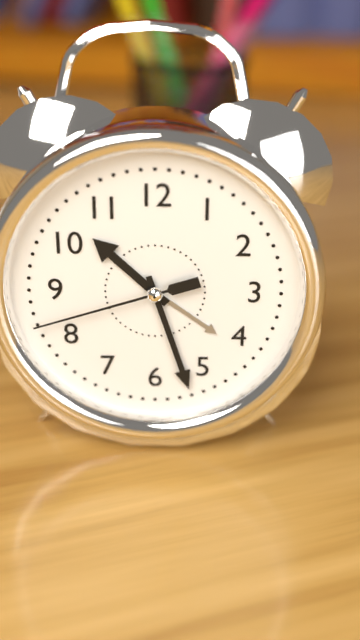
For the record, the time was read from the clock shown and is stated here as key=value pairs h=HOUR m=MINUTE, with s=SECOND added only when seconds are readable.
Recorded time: h=10 m=27 s=42
